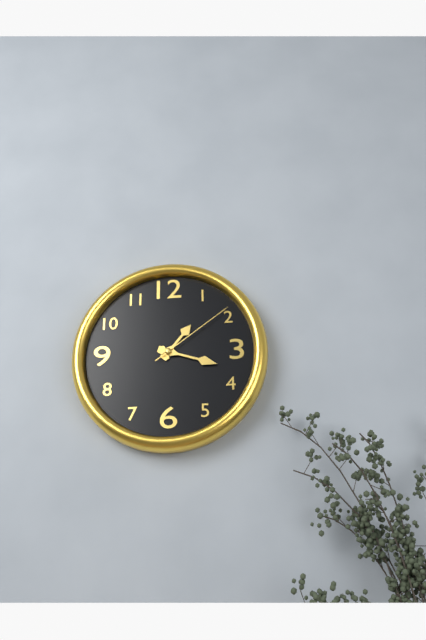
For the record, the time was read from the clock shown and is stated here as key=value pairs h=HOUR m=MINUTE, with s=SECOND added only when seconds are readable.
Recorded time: h=1 m=18 s=9
